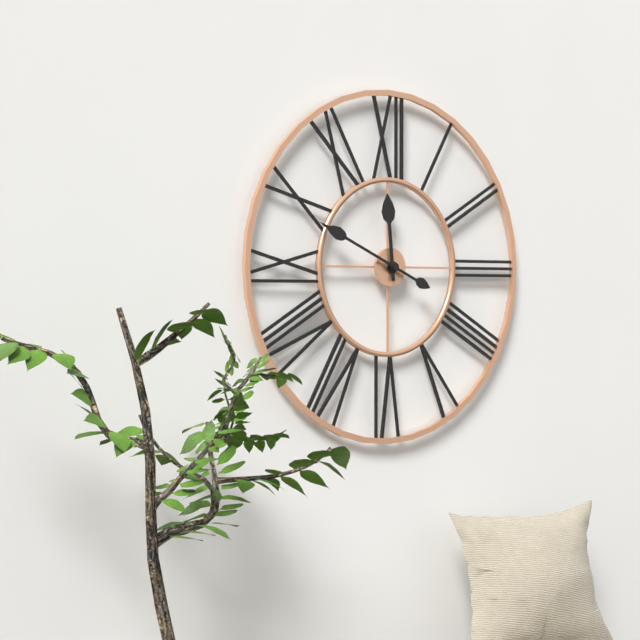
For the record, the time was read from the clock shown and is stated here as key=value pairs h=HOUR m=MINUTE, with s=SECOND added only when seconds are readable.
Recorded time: h=11 m=49
